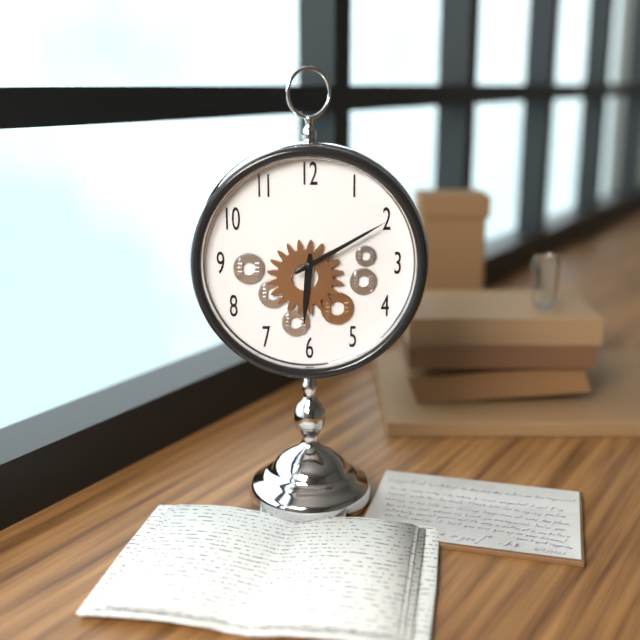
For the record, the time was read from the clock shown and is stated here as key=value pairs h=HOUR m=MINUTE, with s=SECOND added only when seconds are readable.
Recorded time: h=6 m=10
